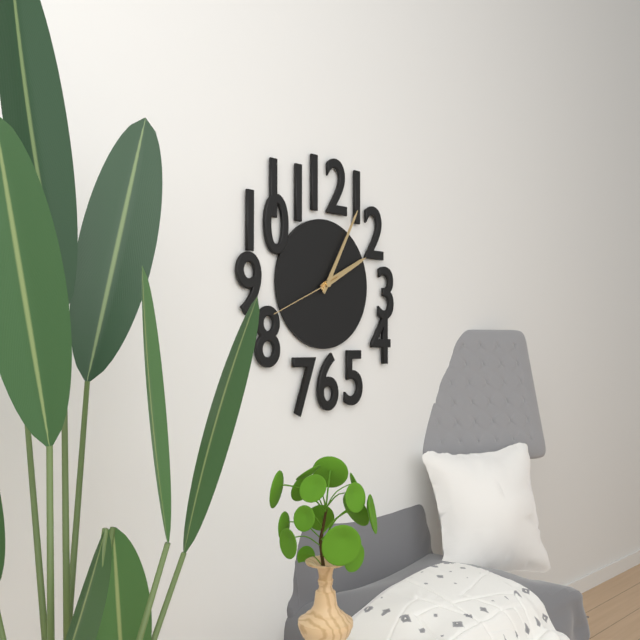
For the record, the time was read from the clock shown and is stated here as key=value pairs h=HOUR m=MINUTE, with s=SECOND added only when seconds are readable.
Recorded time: h=2 m=5 s=41
